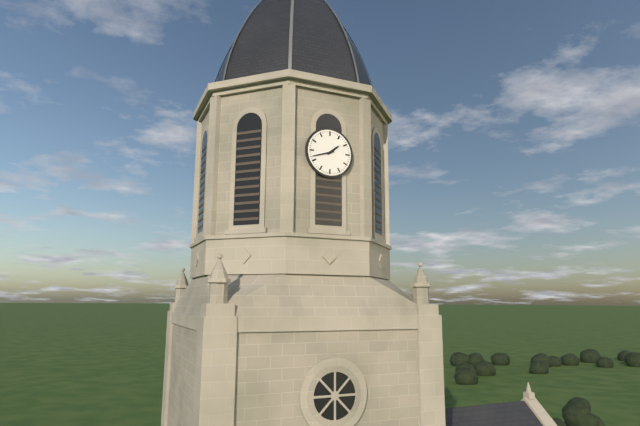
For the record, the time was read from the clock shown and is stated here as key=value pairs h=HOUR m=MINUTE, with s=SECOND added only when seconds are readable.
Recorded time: h=1 m=42
